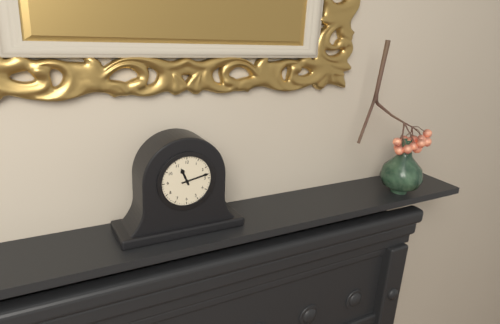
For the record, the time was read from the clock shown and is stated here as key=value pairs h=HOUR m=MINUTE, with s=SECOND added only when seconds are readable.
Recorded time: h=11 m=13
